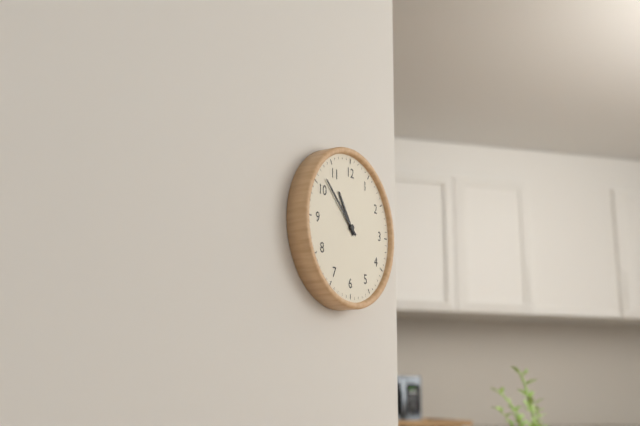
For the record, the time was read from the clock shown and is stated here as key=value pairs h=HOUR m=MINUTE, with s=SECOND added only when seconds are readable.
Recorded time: h=10 m=52
